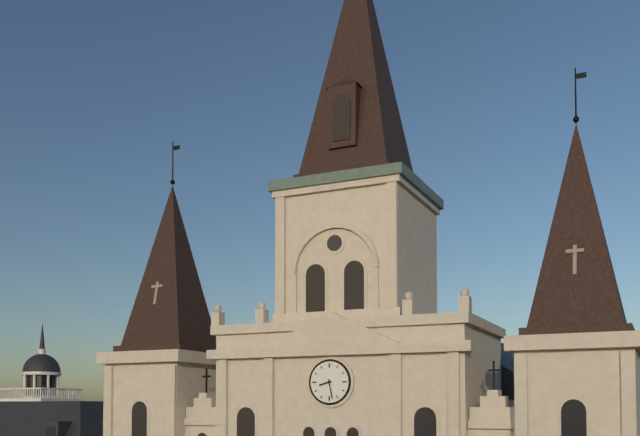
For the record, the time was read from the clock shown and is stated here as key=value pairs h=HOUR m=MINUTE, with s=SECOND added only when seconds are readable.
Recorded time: h=8 m=28
